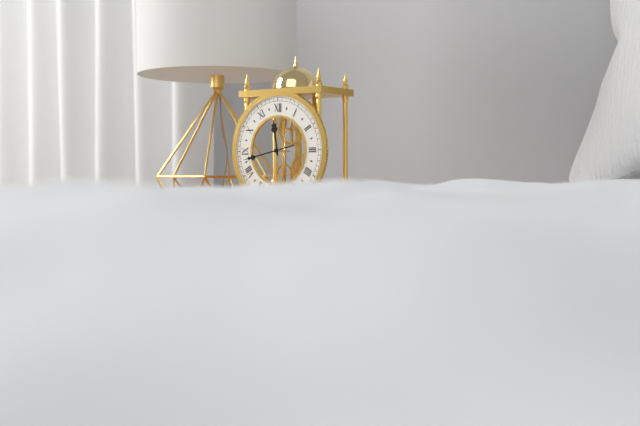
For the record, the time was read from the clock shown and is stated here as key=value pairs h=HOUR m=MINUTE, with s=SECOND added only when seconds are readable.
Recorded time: h=11 m=43
